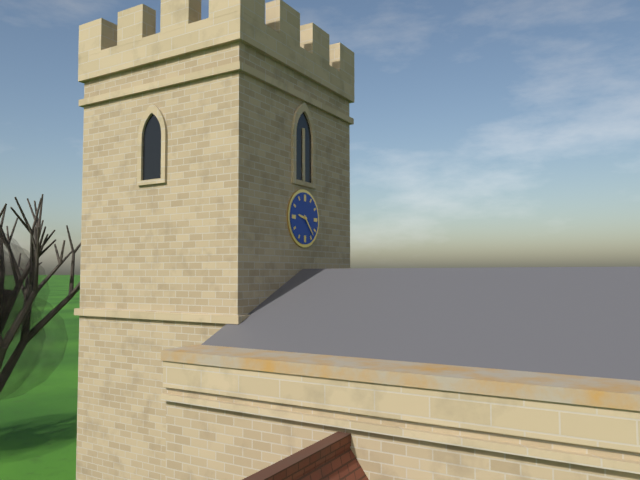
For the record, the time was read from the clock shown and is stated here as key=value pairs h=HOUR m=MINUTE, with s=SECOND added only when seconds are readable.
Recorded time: h=9 m=23
